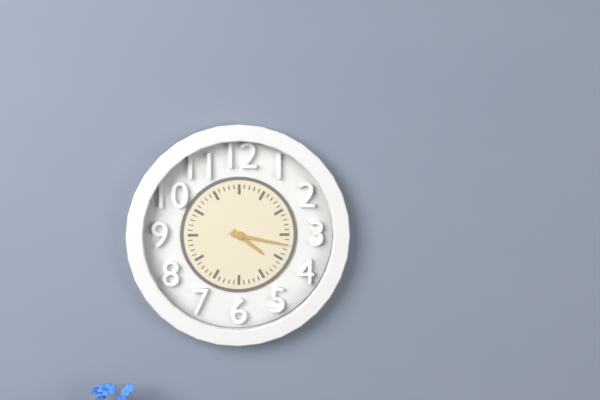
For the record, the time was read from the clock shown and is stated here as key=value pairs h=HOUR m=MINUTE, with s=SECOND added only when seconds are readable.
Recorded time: h=4 m=17
